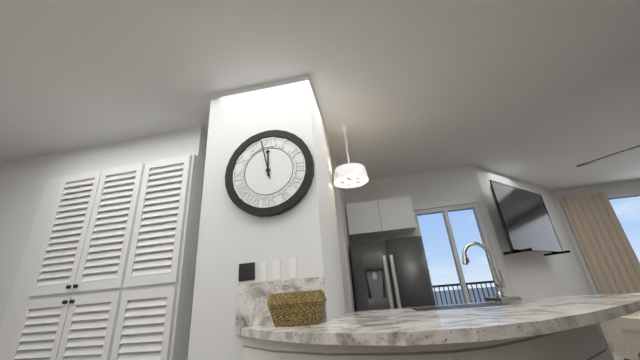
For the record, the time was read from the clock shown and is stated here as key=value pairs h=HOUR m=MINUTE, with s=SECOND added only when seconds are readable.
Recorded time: h=11 m=58
